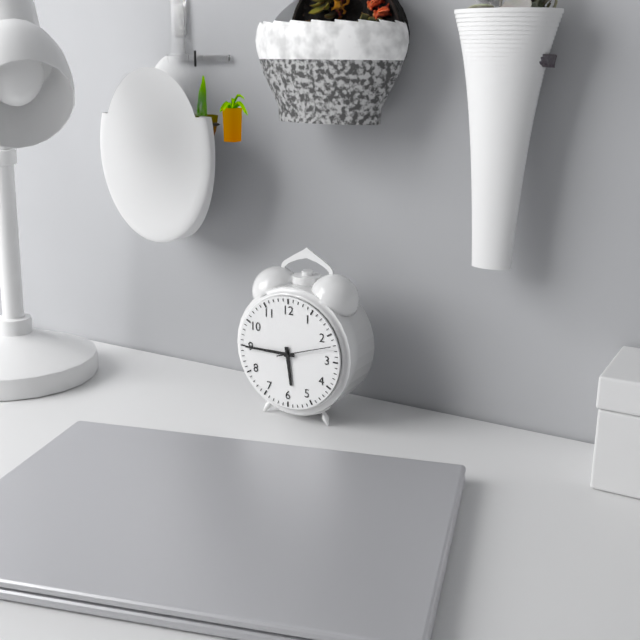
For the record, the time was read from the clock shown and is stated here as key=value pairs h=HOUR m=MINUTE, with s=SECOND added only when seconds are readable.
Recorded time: h=5 m=45 s=12
